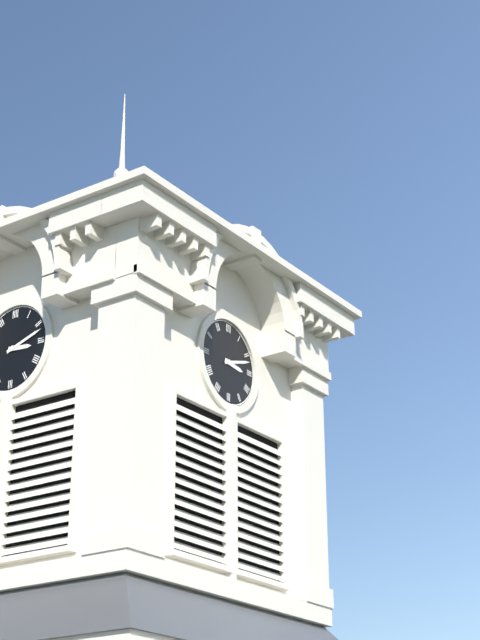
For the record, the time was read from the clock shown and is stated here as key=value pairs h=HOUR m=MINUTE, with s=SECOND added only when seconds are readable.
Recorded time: h=3 m=12
